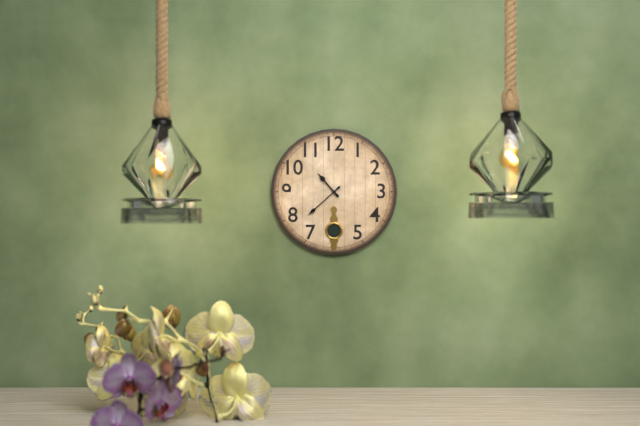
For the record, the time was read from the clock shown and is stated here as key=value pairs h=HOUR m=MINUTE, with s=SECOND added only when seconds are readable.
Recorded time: h=10 m=38
